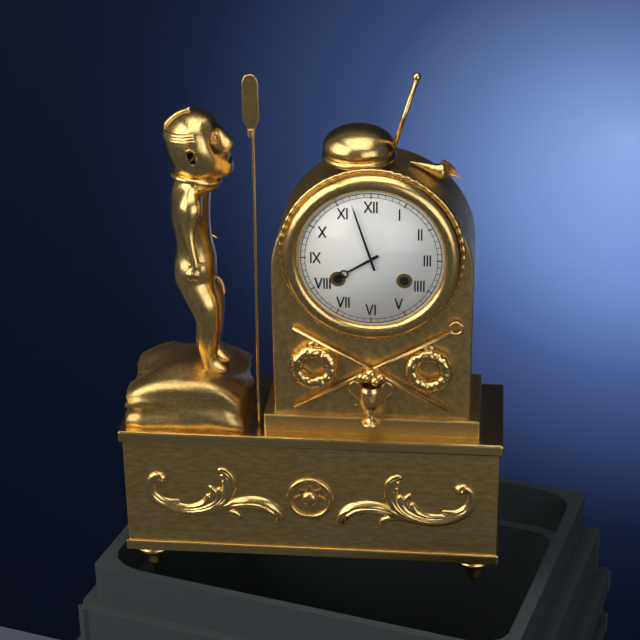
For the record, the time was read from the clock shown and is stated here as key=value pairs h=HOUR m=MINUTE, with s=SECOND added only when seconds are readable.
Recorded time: h=7 m=57
